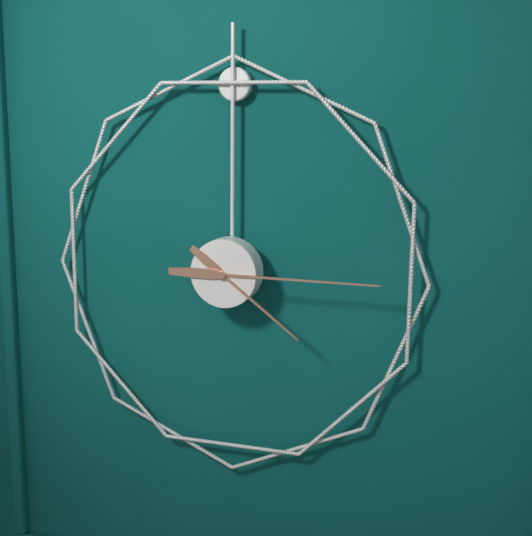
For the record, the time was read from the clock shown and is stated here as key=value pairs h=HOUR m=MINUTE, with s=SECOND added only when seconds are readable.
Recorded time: h=4 m=15
